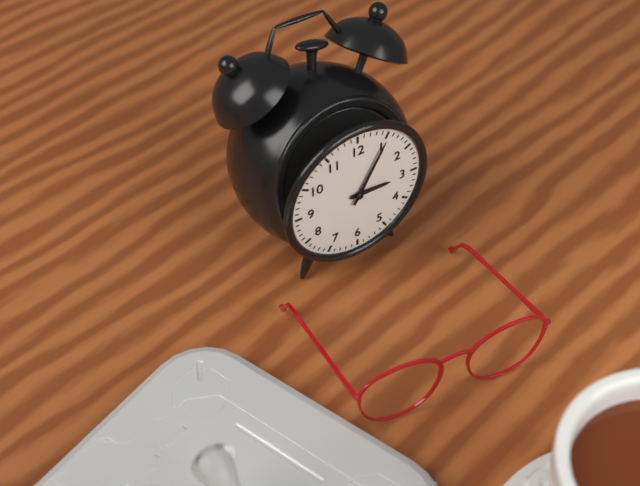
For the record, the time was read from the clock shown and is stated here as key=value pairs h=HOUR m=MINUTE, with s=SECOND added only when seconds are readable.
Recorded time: h=3 m=5
